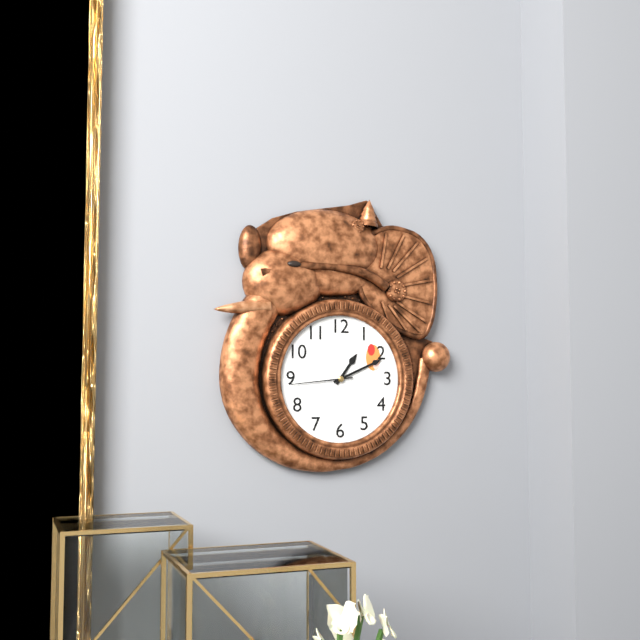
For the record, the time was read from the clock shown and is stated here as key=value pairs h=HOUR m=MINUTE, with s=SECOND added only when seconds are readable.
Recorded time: h=1 m=11 s=44
